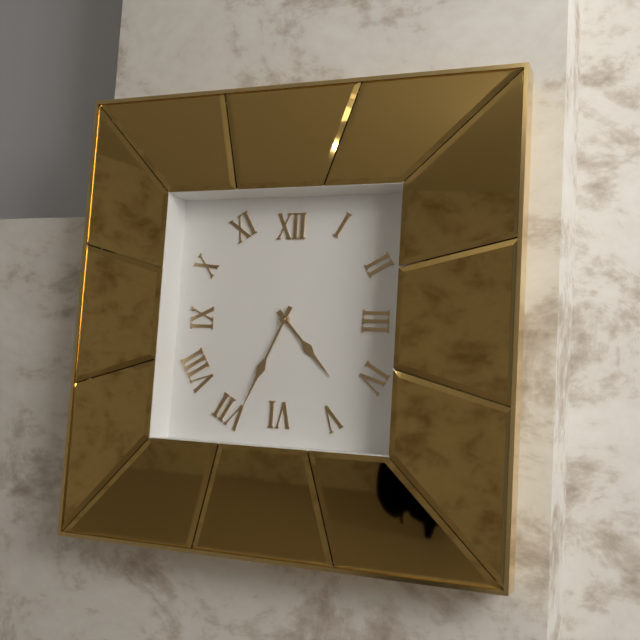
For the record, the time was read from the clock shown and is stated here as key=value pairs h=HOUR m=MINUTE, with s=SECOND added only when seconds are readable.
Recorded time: h=4 m=34
